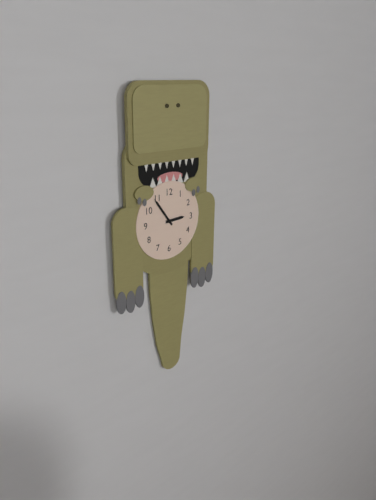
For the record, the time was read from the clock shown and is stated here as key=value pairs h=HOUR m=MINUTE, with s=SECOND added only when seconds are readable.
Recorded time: h=2 m=54
